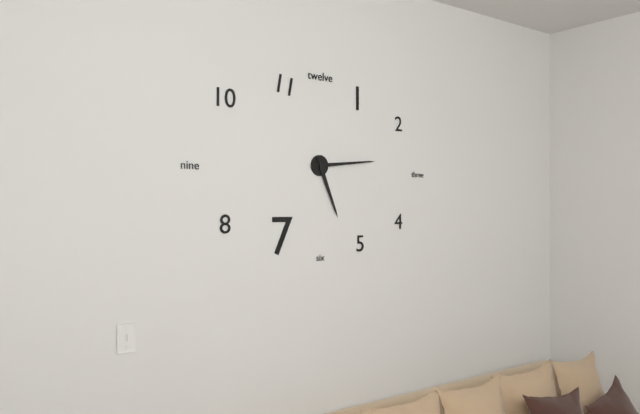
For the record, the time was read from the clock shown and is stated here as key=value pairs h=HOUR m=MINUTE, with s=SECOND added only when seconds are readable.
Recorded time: h=5 m=14
